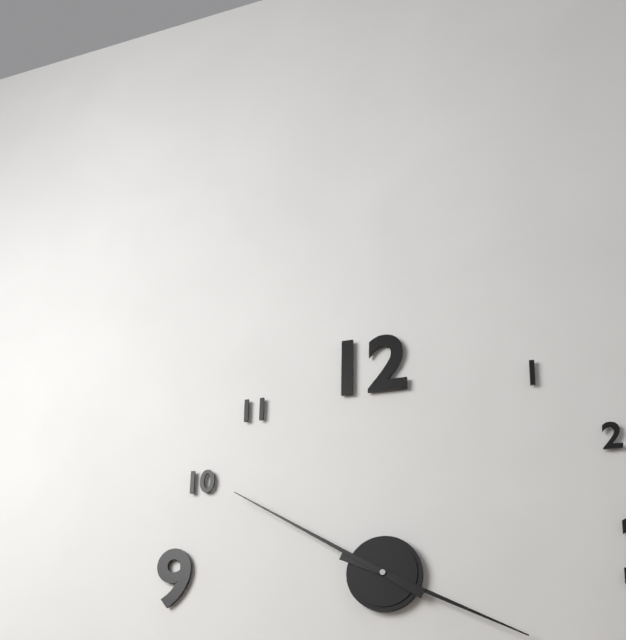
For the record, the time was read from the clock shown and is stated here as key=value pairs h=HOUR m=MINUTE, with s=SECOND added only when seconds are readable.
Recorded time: h=3 m=50
